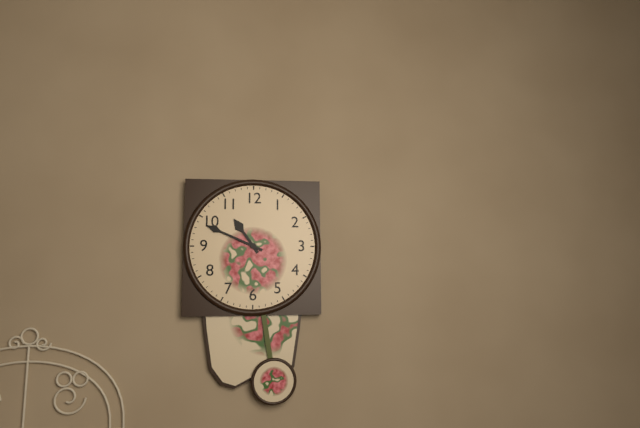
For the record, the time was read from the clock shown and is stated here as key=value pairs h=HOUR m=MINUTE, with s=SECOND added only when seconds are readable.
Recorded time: h=10 m=49
